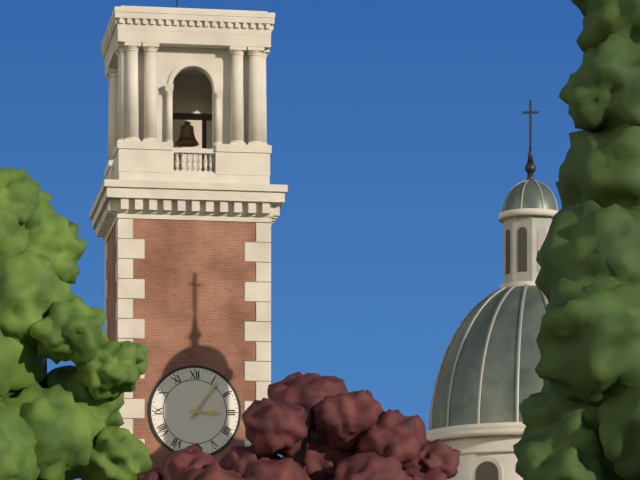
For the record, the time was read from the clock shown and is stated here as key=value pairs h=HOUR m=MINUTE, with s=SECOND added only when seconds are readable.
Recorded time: h=3 m=6
